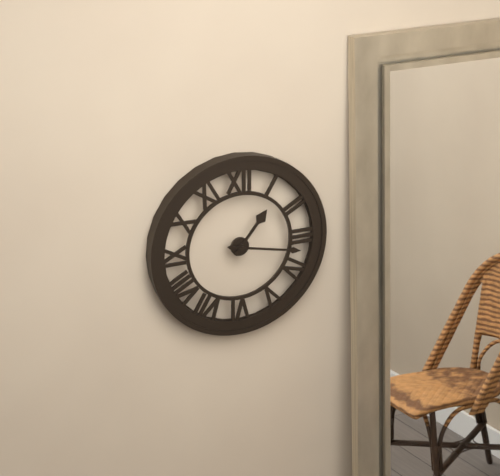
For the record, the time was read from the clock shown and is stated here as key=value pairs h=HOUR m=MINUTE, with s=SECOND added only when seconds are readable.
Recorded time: h=1 m=17
